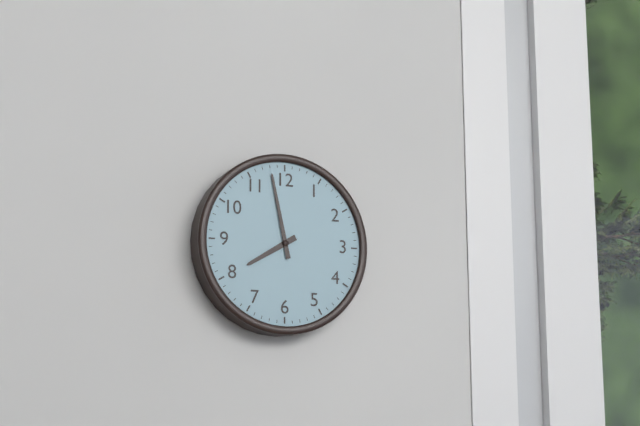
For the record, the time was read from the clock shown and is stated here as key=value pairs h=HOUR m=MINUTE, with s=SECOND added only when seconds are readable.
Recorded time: h=7 m=58
